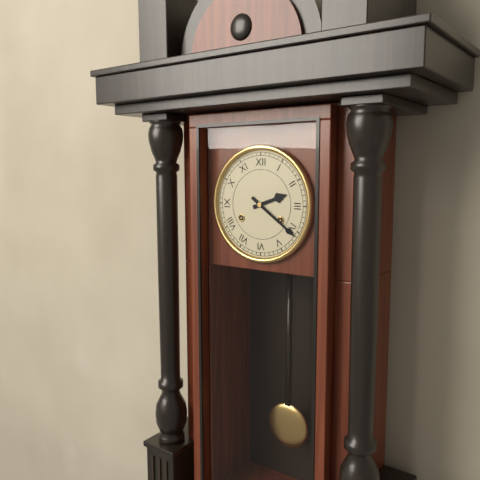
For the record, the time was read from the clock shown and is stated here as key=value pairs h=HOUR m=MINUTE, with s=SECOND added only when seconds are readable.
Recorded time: h=2 m=21
